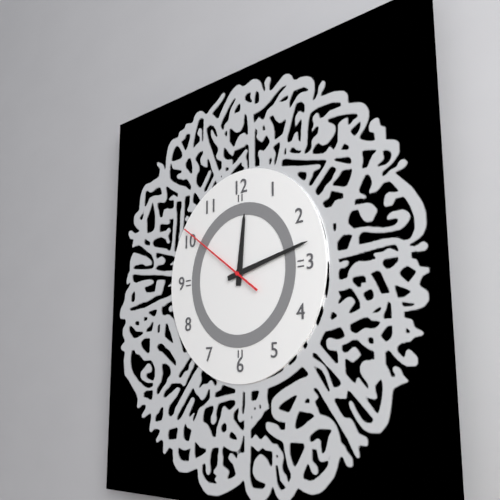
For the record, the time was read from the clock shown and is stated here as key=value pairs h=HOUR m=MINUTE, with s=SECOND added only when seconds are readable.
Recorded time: h=12 m=13 s=51
